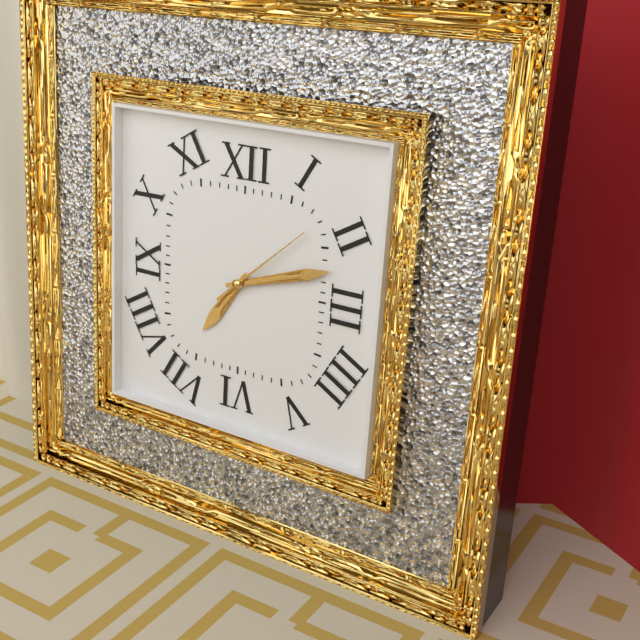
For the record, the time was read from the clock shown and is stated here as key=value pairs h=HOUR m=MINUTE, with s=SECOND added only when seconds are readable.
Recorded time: h=7 m=12 s=8
